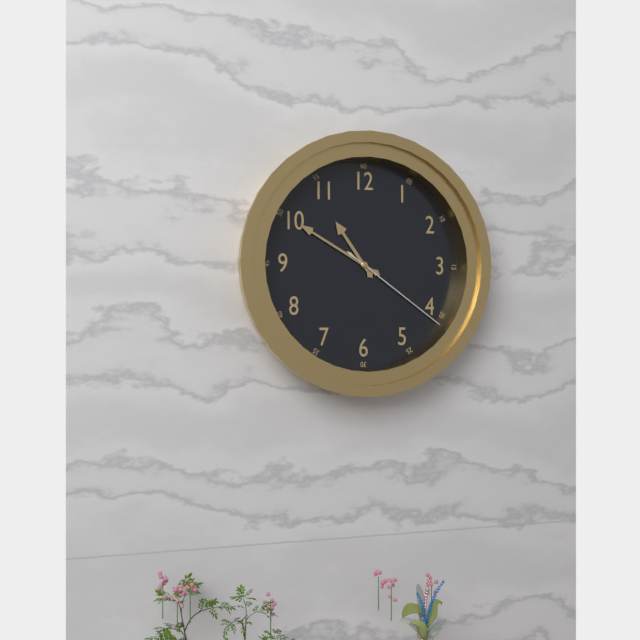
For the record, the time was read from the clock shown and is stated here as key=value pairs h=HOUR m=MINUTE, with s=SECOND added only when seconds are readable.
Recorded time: h=10 m=50 s=21
